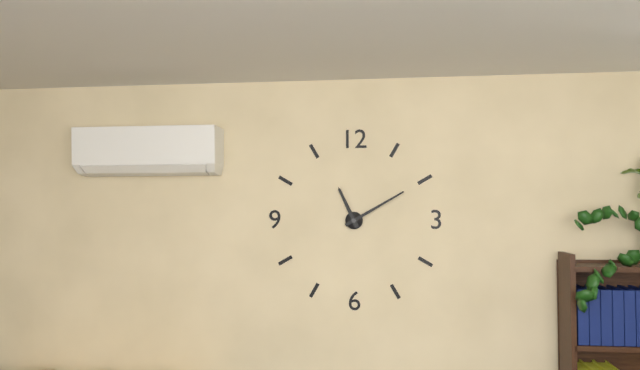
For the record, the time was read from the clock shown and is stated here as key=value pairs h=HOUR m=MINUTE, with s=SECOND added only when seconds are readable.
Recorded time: h=11 m=10
